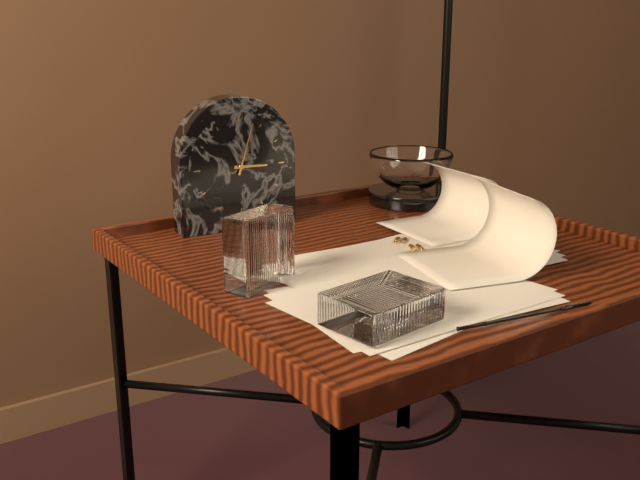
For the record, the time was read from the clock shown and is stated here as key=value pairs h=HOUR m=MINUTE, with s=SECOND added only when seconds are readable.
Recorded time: h=3 m=3
